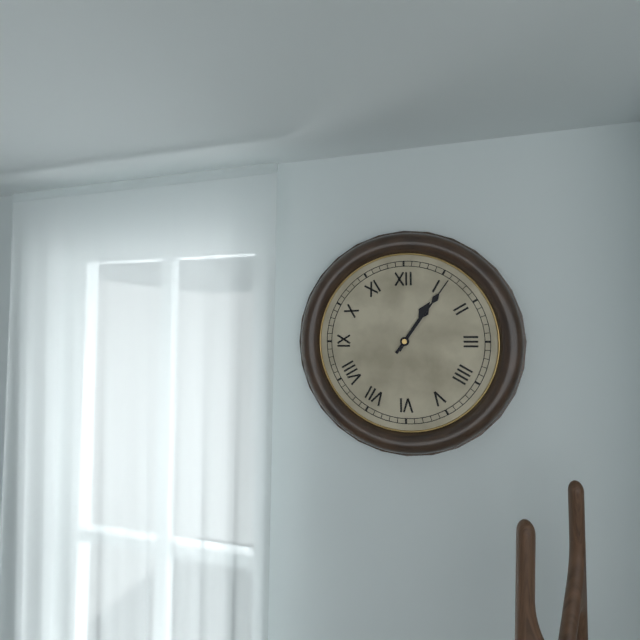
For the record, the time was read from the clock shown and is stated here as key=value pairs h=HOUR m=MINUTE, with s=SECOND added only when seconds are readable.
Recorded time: h=1 m=6
